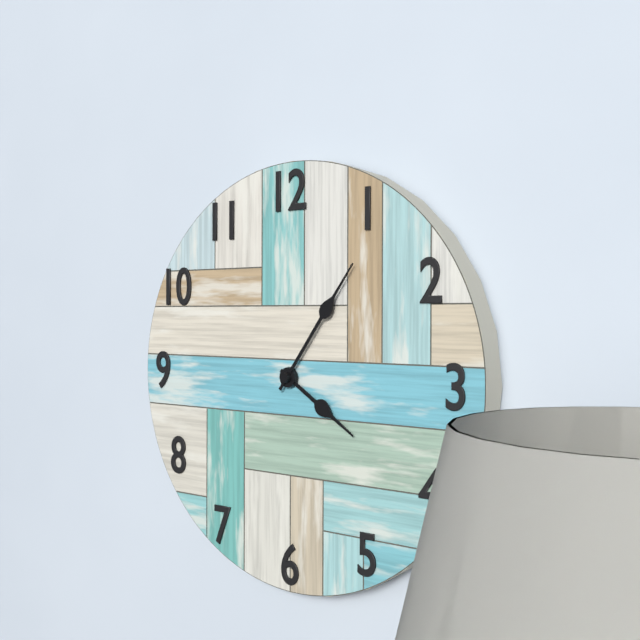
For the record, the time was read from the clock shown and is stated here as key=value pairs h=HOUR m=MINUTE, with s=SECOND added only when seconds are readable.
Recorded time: h=4 m=6
